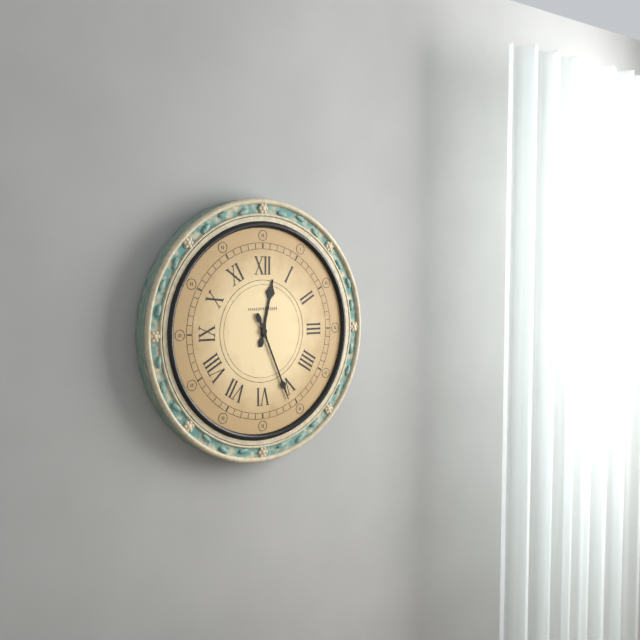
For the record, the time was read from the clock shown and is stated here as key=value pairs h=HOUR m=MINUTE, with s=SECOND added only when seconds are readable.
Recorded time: h=12 m=26
